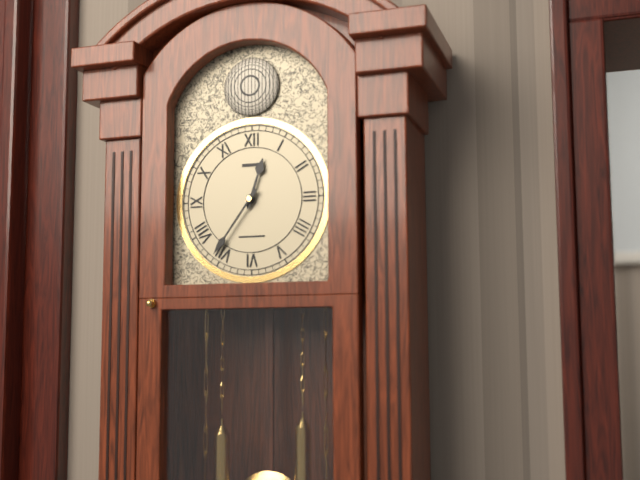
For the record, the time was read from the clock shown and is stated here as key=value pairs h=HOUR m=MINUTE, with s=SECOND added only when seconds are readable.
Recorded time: h=12 m=36
